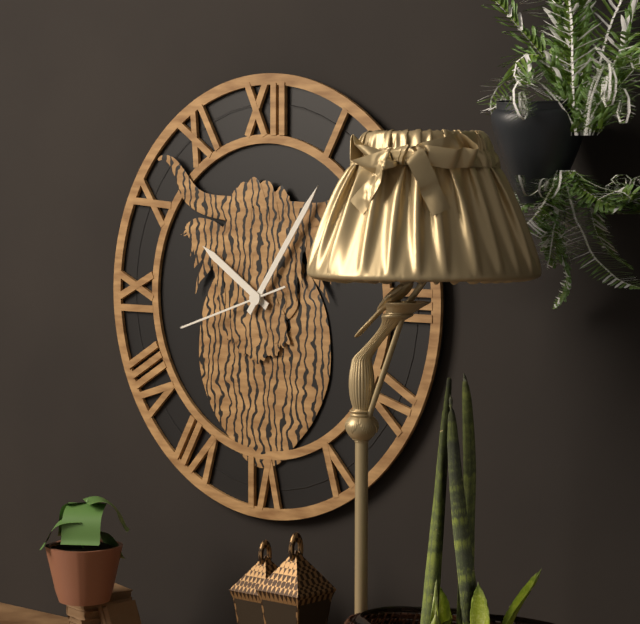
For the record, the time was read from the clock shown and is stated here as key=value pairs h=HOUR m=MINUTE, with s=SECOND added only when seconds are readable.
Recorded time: h=10 m=6 s=42
